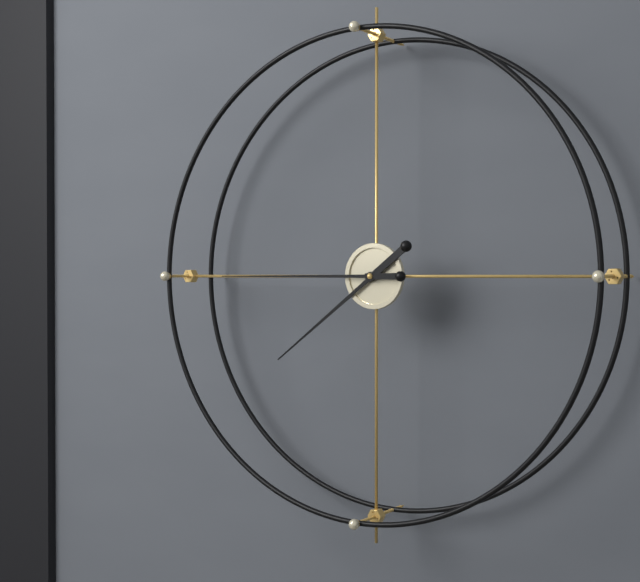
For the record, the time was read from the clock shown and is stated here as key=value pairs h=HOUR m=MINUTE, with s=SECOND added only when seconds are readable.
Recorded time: h=7 m=45
